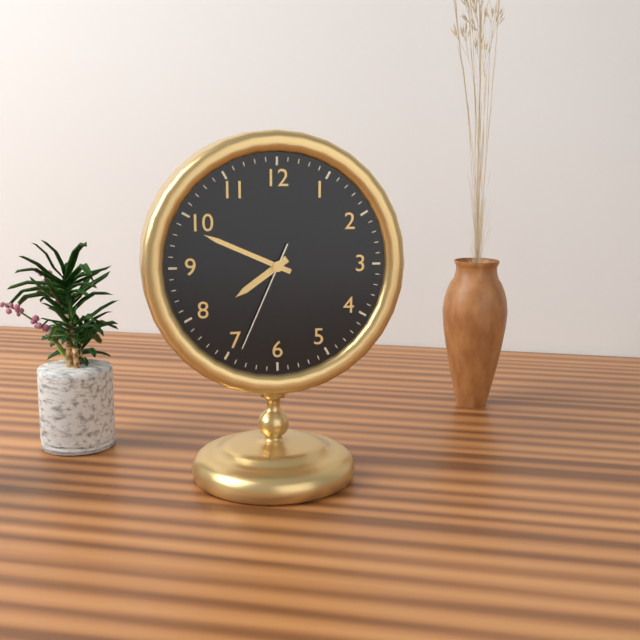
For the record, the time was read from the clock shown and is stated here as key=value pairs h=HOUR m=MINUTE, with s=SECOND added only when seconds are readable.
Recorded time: h=7 m=49 s=34
